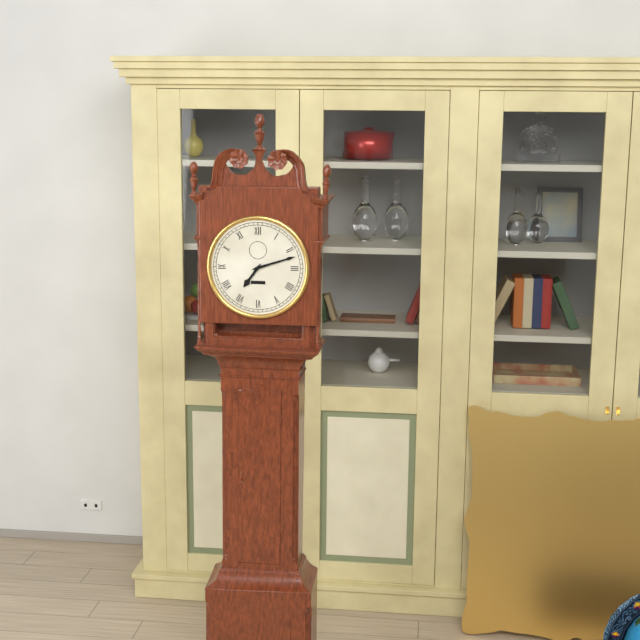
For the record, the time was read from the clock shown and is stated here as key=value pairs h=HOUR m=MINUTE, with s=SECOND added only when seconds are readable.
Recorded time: h=7 m=12
